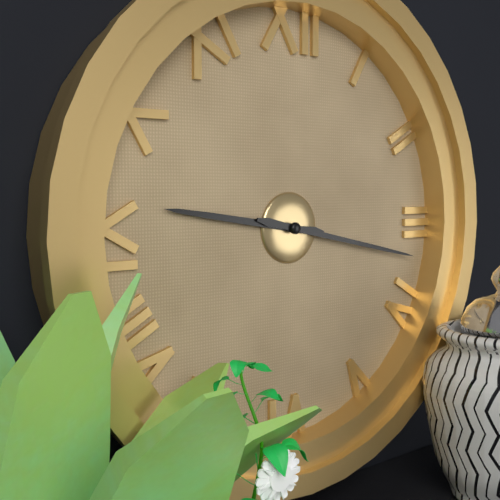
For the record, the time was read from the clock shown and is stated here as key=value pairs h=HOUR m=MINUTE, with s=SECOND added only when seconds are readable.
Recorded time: h=9 m=17
